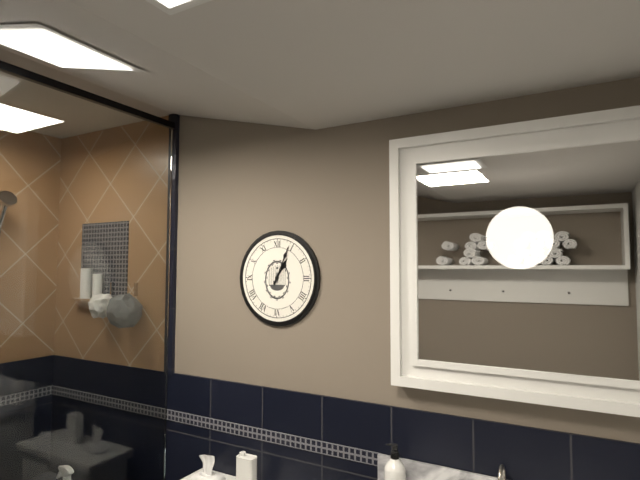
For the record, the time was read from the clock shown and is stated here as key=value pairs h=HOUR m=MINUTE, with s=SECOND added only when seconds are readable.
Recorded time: h=1 m=4
